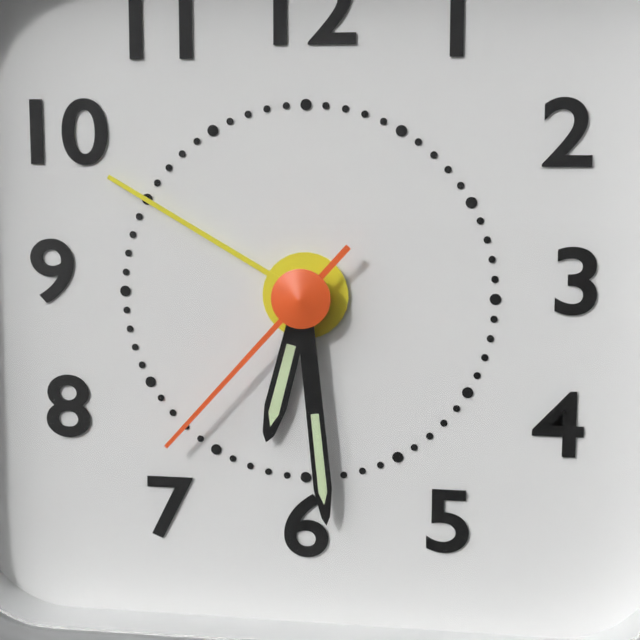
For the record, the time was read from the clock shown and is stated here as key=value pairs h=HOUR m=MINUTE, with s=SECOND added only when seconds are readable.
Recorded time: h=6 m=29 s=37
